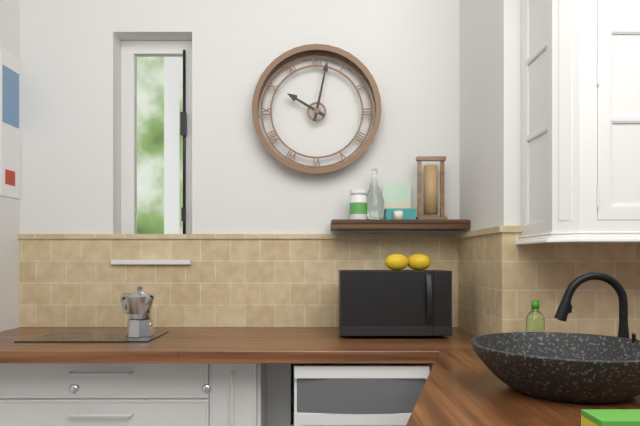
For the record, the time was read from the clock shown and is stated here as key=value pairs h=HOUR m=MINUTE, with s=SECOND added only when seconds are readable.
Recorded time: h=10 m=2
